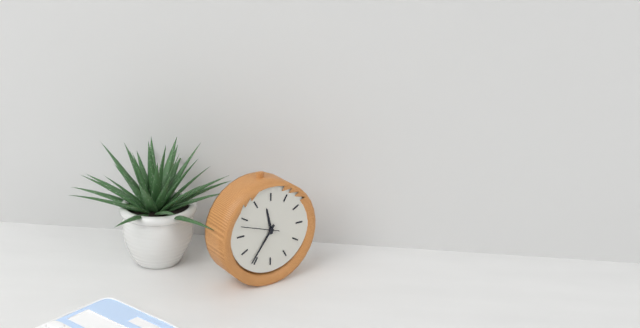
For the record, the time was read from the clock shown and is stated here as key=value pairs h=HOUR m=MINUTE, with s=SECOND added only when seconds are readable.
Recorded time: h=11 m=36
